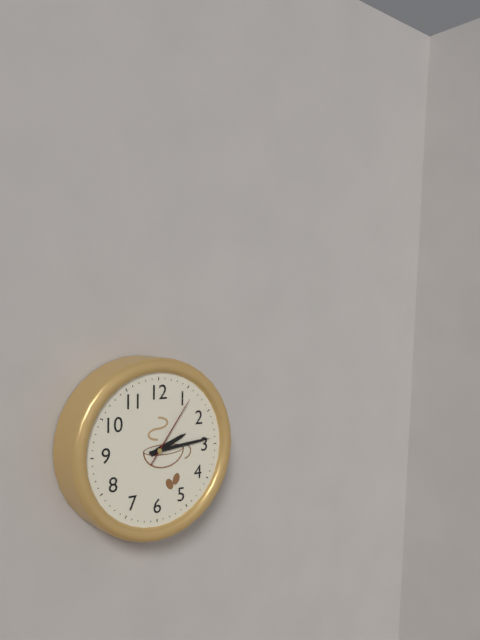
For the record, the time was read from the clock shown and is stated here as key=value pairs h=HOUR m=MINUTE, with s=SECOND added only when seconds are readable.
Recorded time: h=2 m=14 s=6
